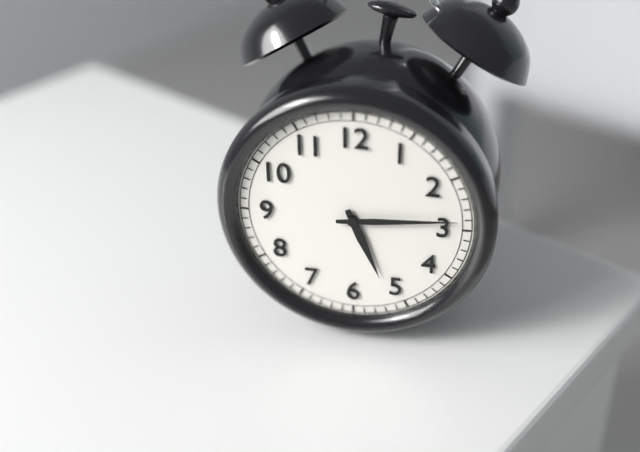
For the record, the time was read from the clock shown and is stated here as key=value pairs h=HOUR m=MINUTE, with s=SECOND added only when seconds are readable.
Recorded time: h=5 m=14
